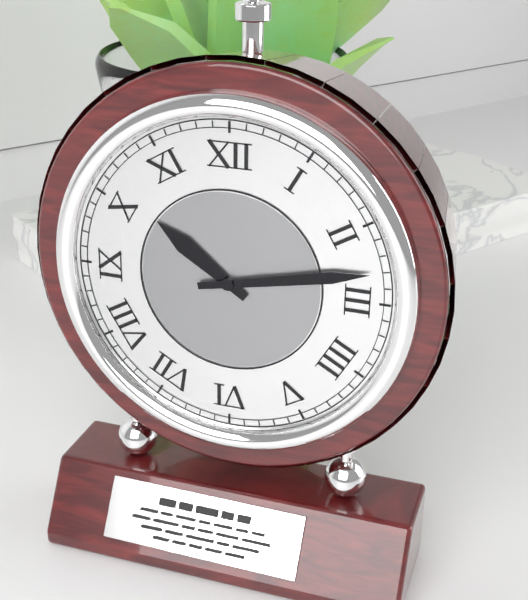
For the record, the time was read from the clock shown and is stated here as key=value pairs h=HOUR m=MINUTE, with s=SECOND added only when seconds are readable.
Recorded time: h=10 m=13
